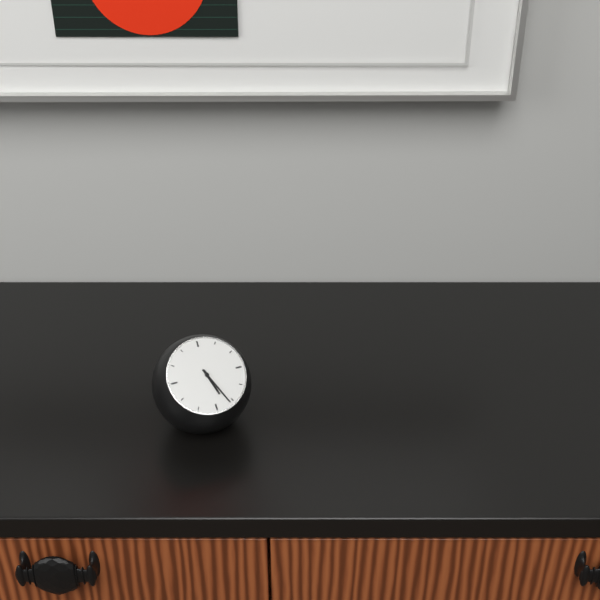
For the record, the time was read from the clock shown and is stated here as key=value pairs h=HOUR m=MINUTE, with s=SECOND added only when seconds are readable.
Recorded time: h=5 m=26
